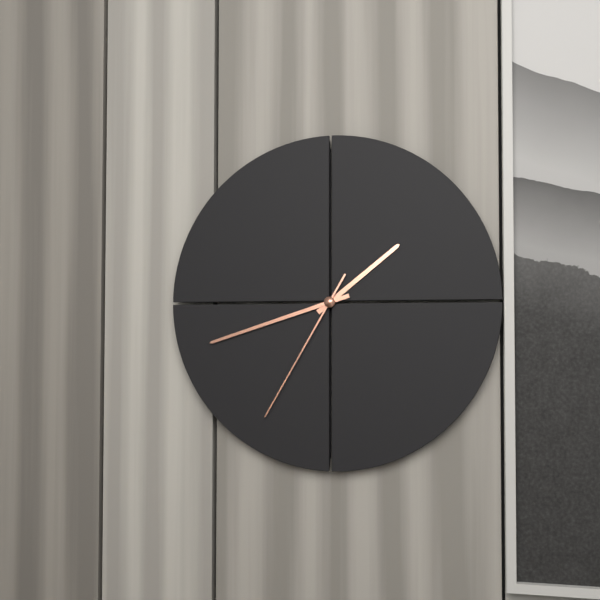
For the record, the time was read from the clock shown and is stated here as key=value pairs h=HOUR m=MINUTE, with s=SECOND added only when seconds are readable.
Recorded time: h=1 m=42 s=35
